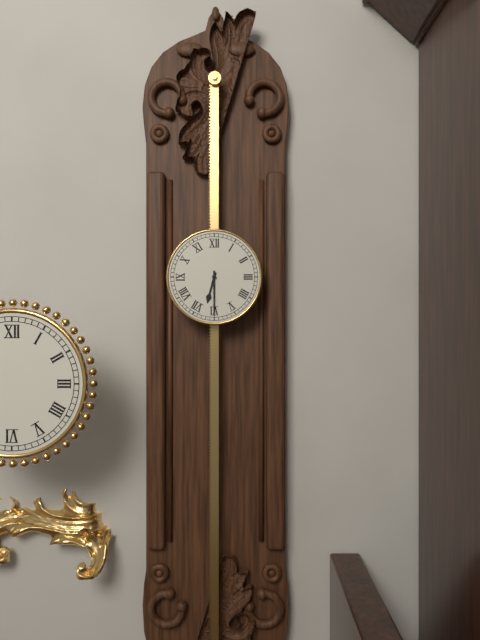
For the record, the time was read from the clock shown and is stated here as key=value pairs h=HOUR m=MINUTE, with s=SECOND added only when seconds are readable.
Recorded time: h=6 m=30
